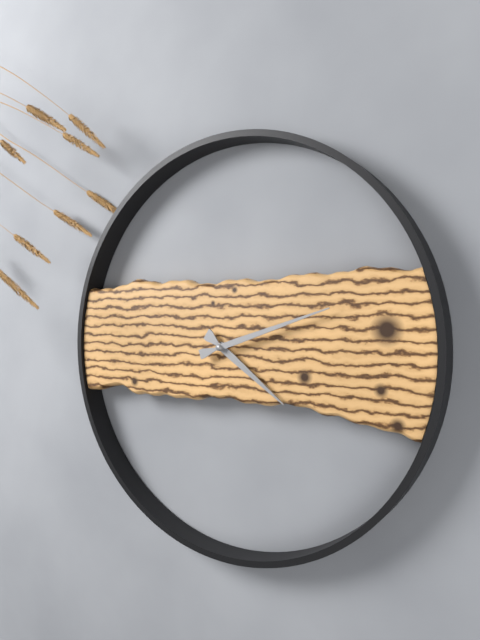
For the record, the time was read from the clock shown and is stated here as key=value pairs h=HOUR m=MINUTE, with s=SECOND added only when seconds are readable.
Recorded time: h=4 m=12
